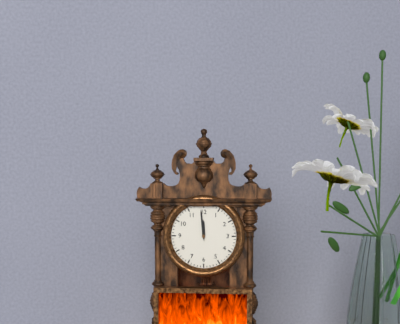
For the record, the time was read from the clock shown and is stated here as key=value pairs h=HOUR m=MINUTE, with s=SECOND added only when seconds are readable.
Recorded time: h=11 m=59
